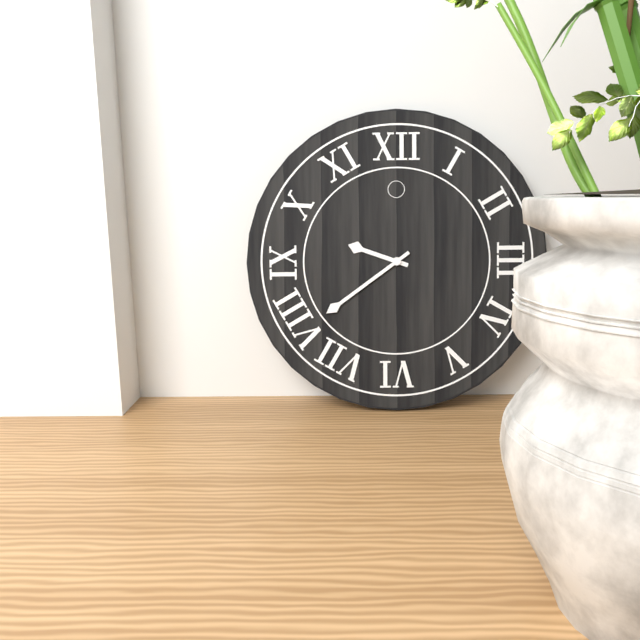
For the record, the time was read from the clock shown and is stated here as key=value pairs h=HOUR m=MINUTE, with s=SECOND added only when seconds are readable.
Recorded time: h=9 m=39
